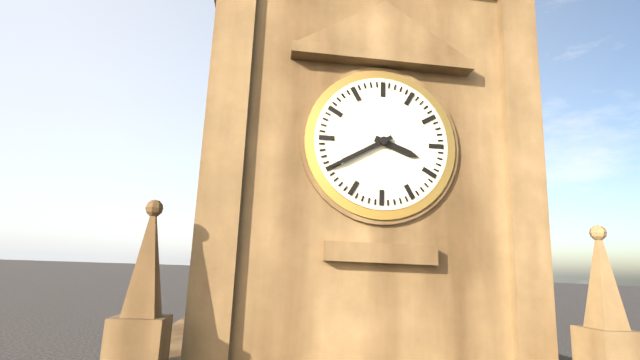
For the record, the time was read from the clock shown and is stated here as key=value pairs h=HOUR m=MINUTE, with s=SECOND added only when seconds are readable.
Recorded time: h=3 m=40
